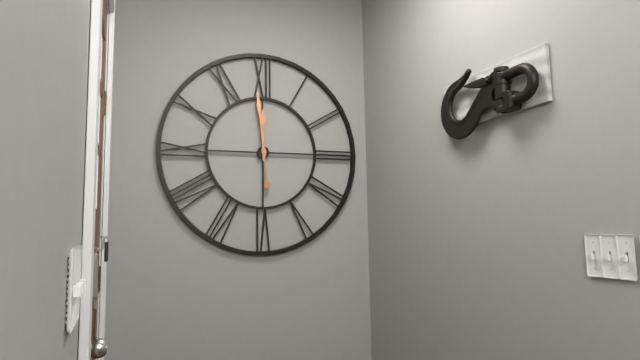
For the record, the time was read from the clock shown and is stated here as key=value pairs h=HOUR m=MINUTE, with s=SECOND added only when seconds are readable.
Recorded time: h=11 m=59
